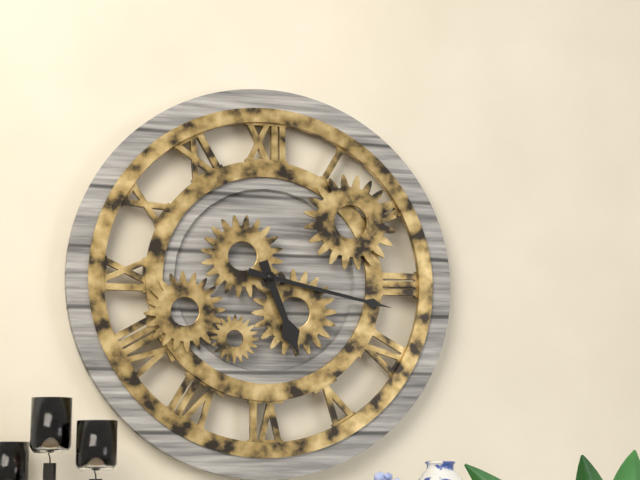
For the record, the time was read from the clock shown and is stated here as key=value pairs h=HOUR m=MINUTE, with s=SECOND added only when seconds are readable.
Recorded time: h=5 m=17
